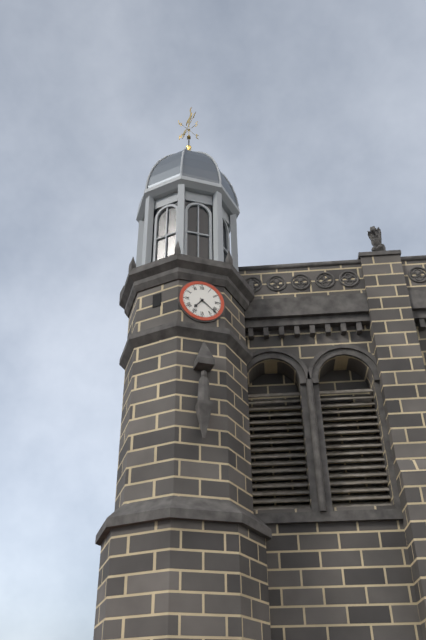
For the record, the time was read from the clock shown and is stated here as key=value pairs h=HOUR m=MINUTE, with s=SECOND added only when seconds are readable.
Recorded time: h=7 m=22
